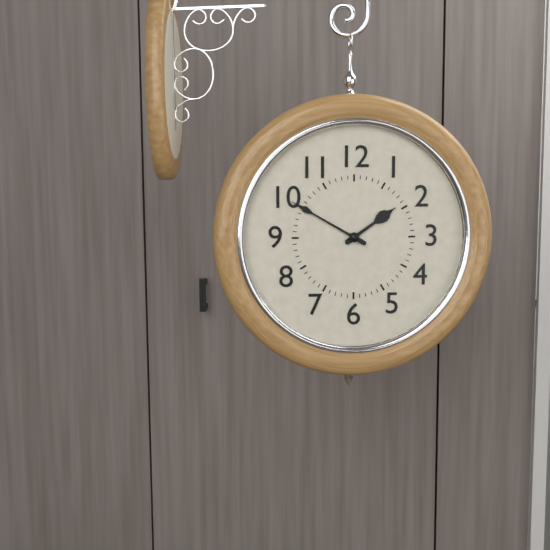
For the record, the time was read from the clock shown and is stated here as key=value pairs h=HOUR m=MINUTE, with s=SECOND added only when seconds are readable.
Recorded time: h=1 m=50
